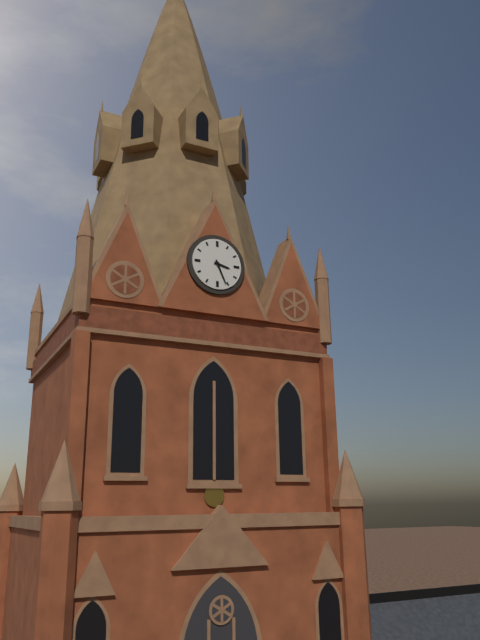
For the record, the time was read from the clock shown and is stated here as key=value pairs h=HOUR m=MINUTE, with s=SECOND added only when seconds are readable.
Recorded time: h=3 m=26
